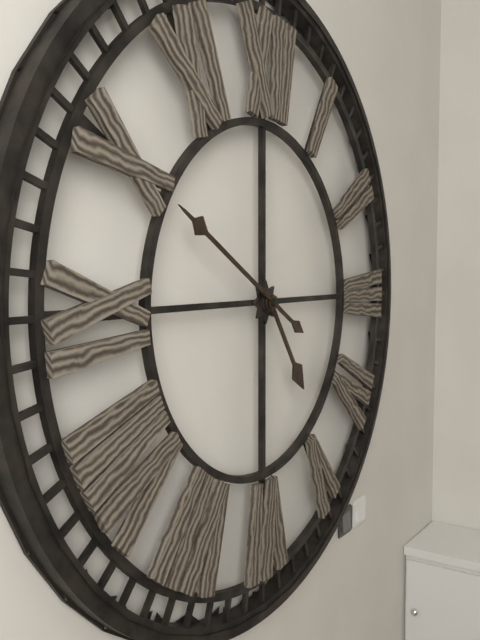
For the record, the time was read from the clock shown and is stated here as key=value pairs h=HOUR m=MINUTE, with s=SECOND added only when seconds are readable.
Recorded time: h=4 m=50
